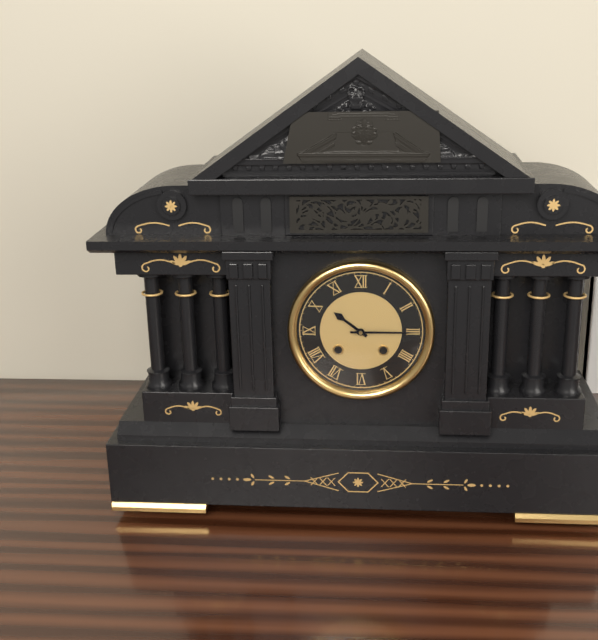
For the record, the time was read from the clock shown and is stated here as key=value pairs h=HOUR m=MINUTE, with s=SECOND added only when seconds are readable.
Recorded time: h=10 m=15
